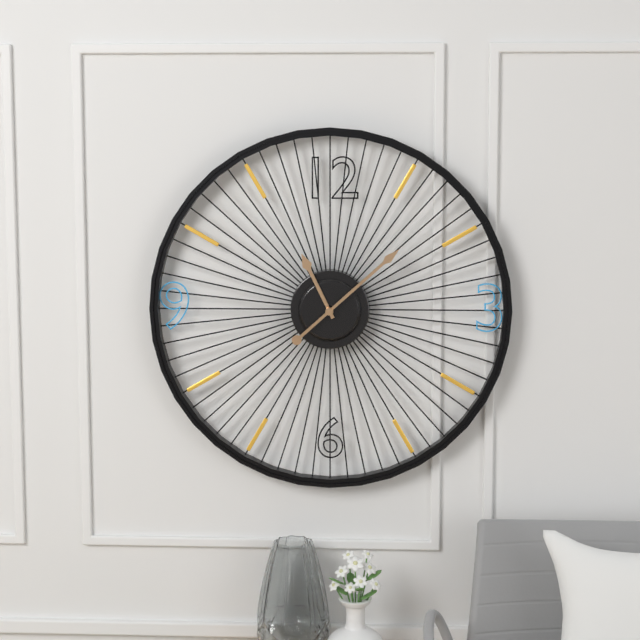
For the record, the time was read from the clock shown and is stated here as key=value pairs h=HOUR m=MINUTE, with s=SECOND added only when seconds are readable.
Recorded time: h=11 m=8
